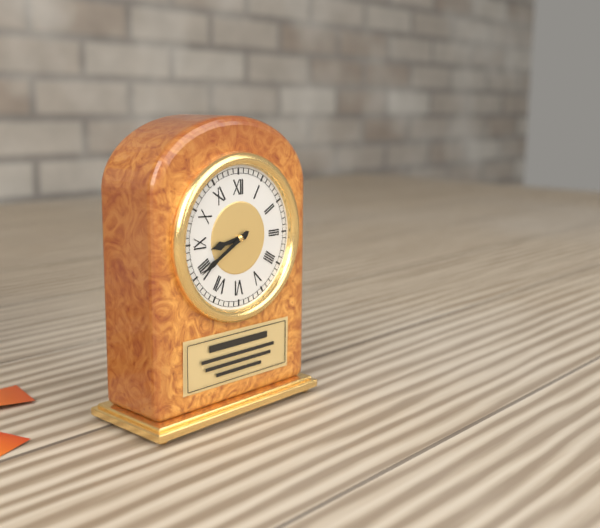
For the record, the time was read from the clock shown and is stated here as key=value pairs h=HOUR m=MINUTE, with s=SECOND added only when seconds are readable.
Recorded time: h=8 m=40
